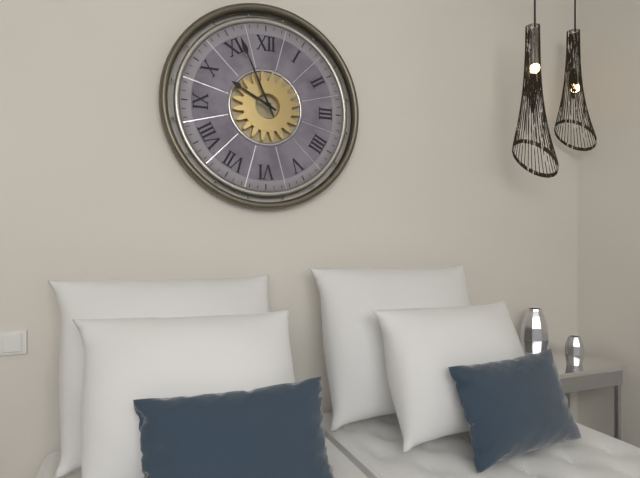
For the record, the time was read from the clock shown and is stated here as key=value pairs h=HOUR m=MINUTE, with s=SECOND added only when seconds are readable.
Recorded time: h=9 m=56
